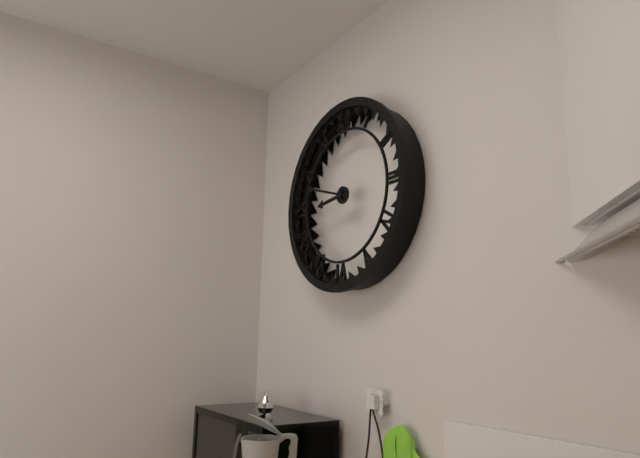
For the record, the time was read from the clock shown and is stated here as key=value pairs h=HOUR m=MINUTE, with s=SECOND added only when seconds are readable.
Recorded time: h=8 m=48
